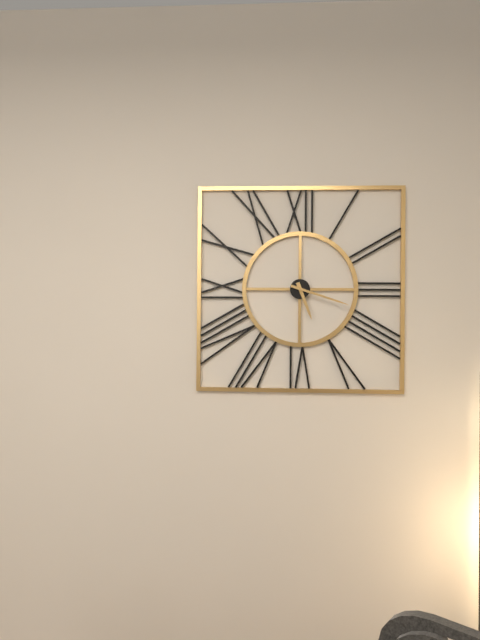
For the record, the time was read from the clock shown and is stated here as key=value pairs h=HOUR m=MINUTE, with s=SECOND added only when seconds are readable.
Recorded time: h=5 m=18
